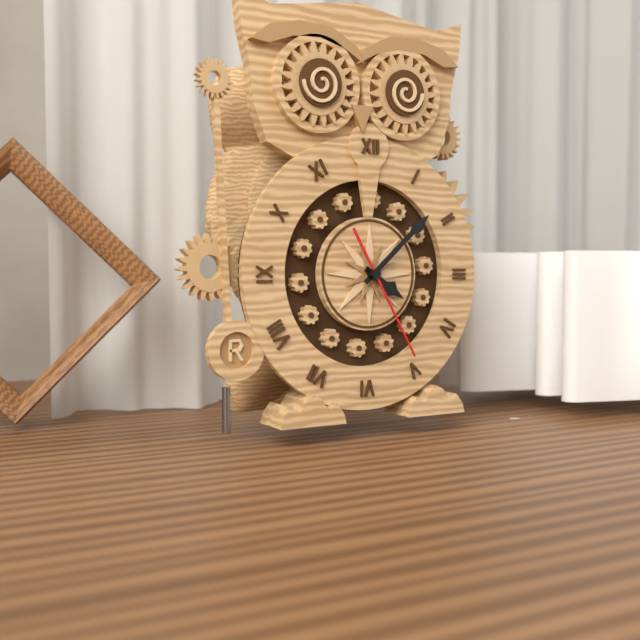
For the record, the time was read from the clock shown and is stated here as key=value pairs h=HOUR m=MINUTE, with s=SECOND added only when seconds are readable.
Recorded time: h=4 m=8 s=25
